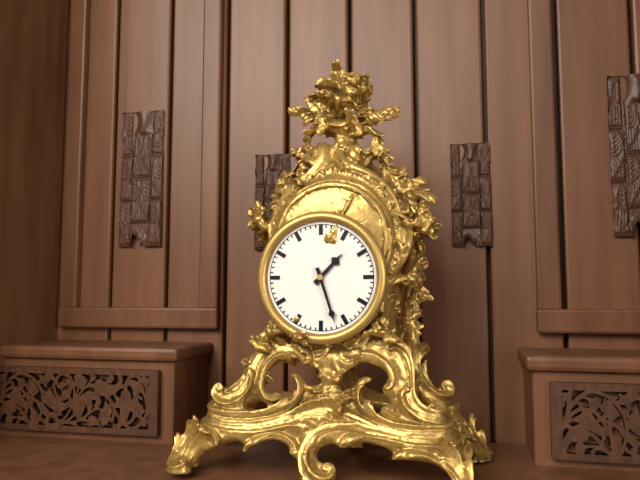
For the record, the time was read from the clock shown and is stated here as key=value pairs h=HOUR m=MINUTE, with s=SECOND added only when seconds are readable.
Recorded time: h=1 m=27
